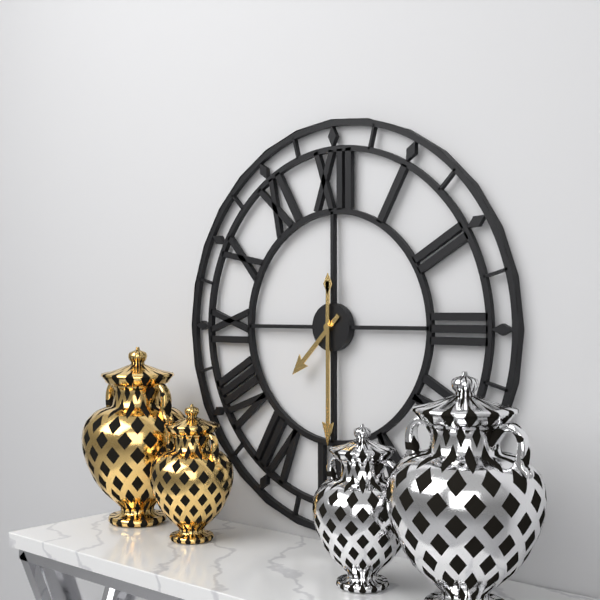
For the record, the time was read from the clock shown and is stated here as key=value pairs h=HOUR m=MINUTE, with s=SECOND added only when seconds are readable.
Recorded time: h=7 m=30
